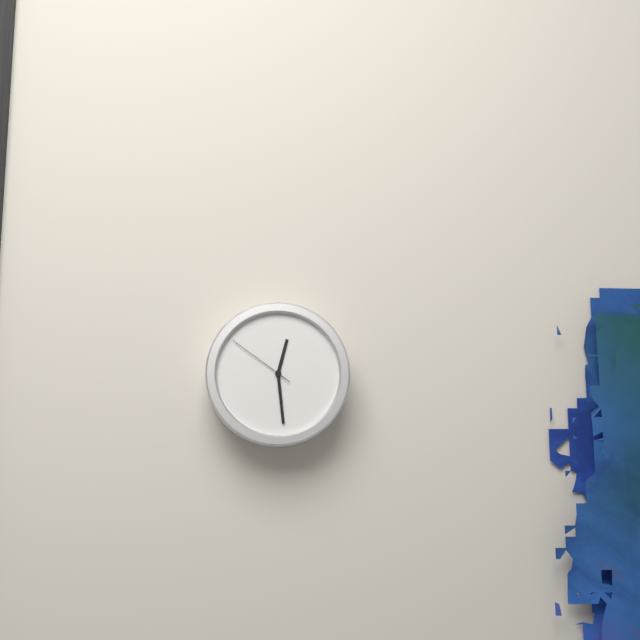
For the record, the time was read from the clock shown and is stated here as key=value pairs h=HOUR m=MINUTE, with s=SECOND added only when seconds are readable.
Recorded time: h=12 m=29 s=51
